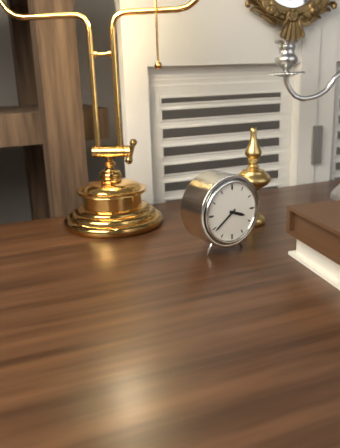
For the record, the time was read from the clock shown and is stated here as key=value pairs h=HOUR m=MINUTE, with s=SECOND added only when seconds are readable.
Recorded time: h=3 m=39
